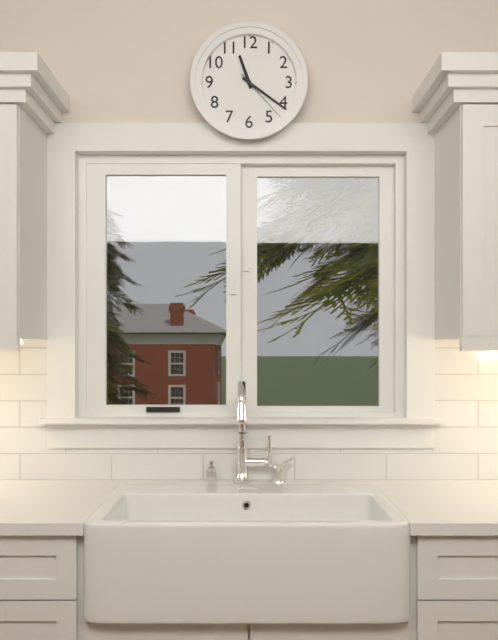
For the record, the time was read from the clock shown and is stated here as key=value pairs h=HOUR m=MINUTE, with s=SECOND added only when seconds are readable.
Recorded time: h=11 m=21 s=23
